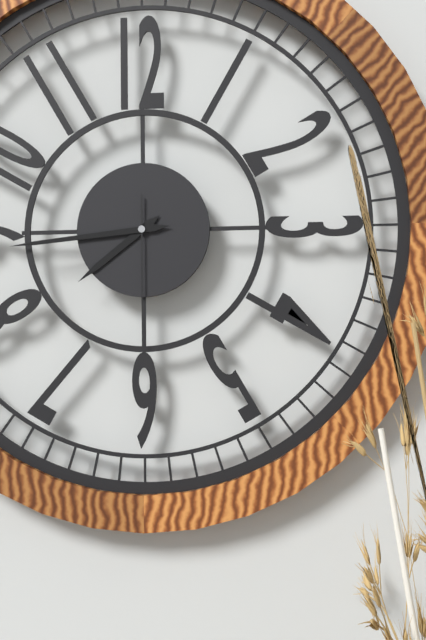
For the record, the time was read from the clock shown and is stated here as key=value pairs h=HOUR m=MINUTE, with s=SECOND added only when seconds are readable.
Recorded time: h=7 m=44 s=30
